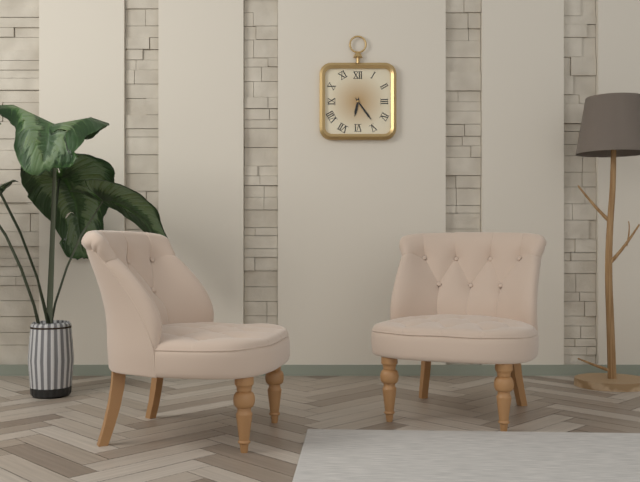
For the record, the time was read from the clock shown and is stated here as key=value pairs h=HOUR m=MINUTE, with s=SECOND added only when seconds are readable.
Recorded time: h=6 m=24
